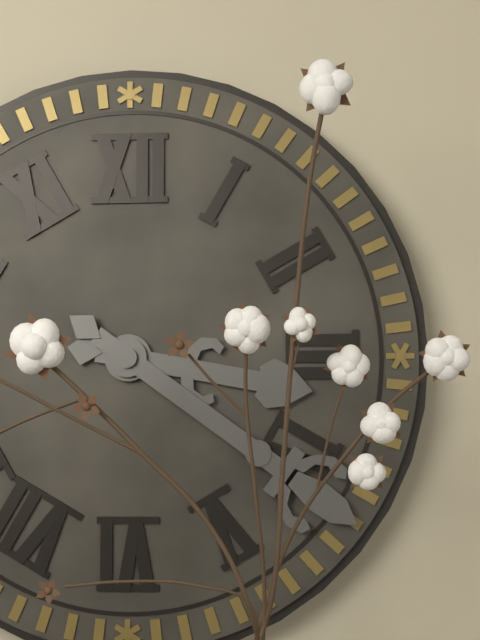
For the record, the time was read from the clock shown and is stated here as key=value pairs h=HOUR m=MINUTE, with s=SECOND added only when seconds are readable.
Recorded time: h=3 m=21
